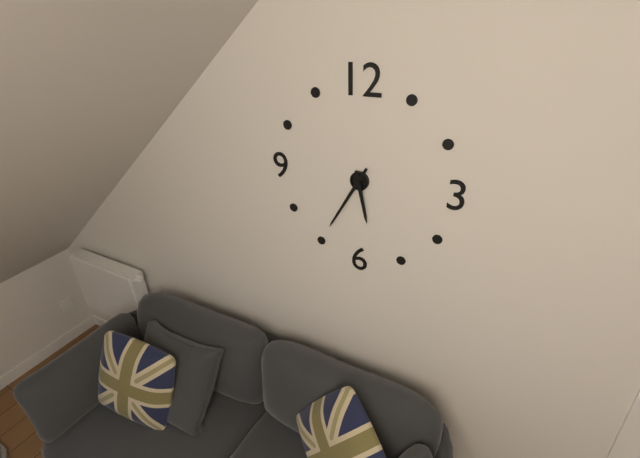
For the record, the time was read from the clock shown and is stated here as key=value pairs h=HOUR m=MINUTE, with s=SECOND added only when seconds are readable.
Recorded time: h=5 m=35
